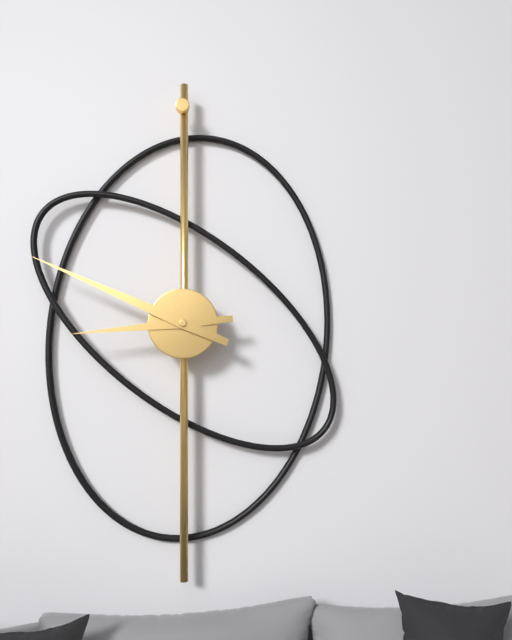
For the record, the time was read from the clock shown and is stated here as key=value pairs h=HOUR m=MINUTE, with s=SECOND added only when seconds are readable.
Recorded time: h=8 m=49
